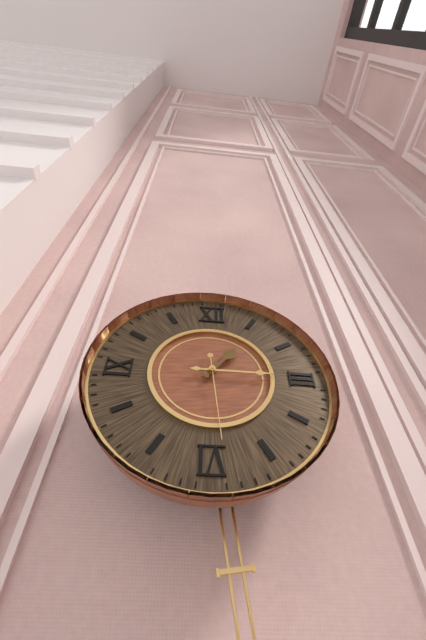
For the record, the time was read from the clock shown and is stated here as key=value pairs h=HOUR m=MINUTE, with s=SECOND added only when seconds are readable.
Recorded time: h=1 m=15 s=29
